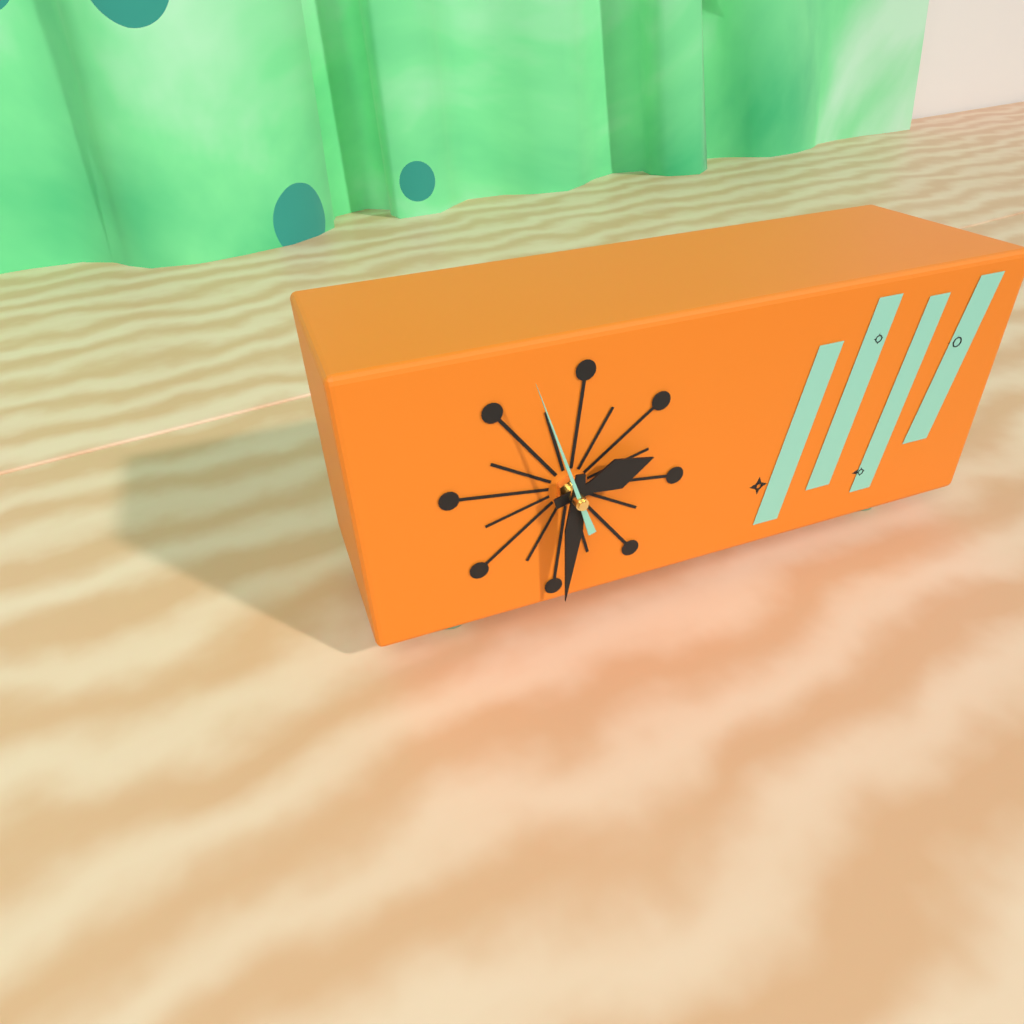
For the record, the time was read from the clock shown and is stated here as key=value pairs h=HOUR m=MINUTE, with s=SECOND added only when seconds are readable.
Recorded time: h=2 m=31 s=57
